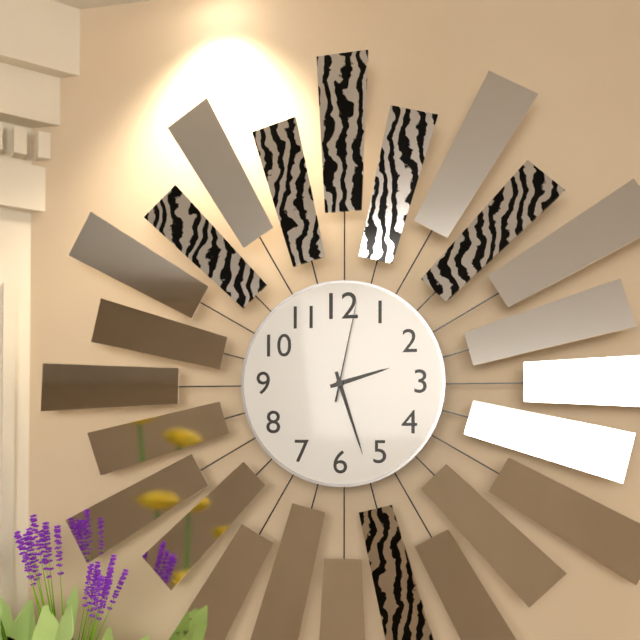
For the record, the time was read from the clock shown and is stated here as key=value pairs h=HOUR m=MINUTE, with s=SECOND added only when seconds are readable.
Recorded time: h=2 m=27 s=2
